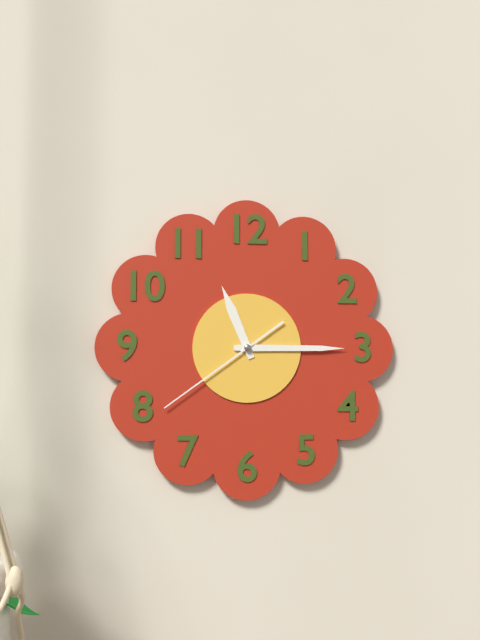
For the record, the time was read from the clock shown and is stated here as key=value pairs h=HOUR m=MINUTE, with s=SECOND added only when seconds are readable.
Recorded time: h=11 m=15 s=39
